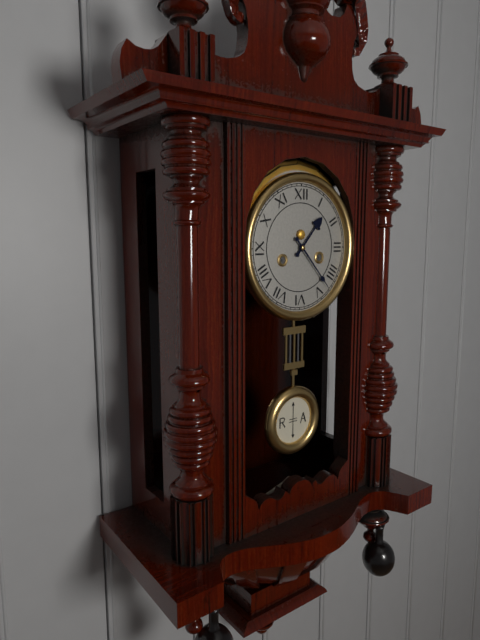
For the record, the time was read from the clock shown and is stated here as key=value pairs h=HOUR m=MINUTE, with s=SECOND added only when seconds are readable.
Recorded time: h=1 m=23
